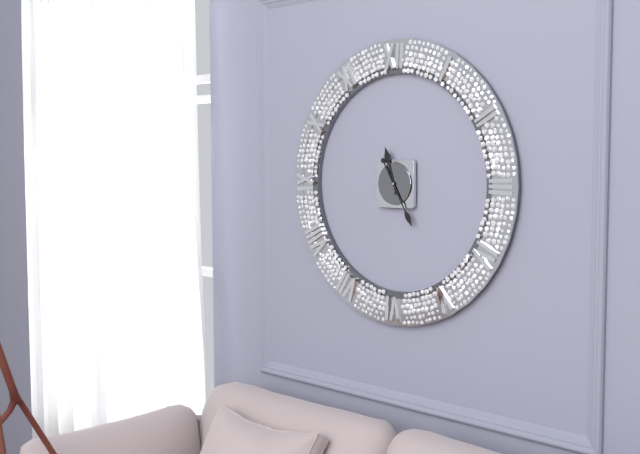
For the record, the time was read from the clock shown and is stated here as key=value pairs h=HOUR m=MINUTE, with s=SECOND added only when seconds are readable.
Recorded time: h=11 m=25
